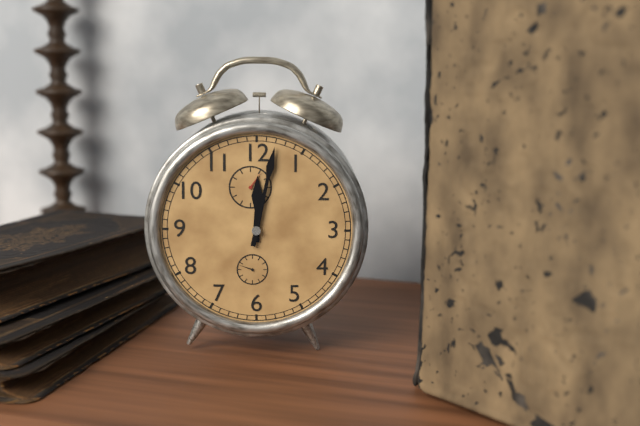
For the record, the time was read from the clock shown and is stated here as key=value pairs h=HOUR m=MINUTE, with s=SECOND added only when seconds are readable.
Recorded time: h=12 m=2
